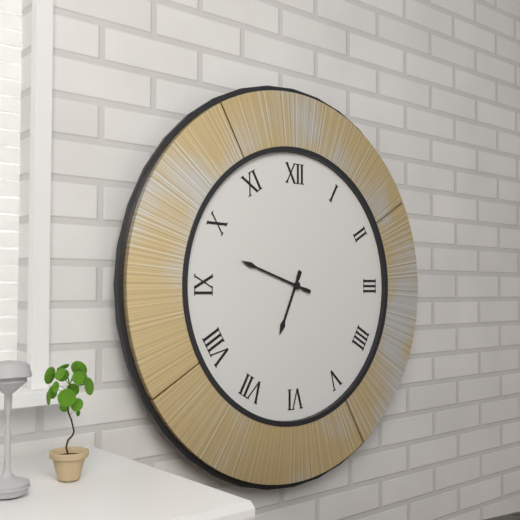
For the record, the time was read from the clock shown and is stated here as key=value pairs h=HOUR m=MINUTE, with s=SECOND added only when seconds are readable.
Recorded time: h=6 m=48
